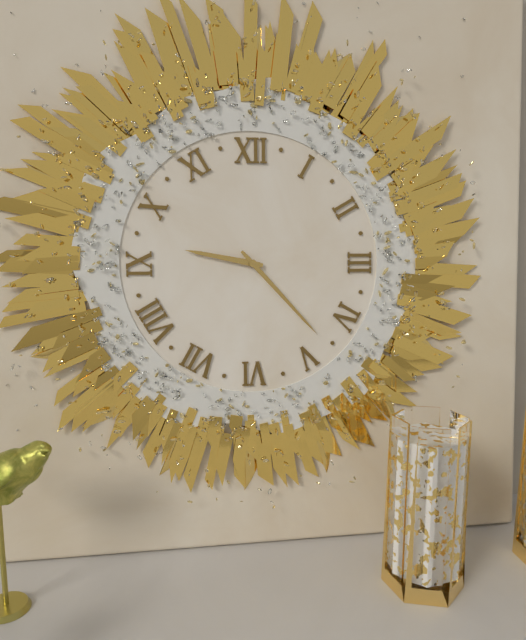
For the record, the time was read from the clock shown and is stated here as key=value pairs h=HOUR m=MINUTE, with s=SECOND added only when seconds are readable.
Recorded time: h=9 m=23
